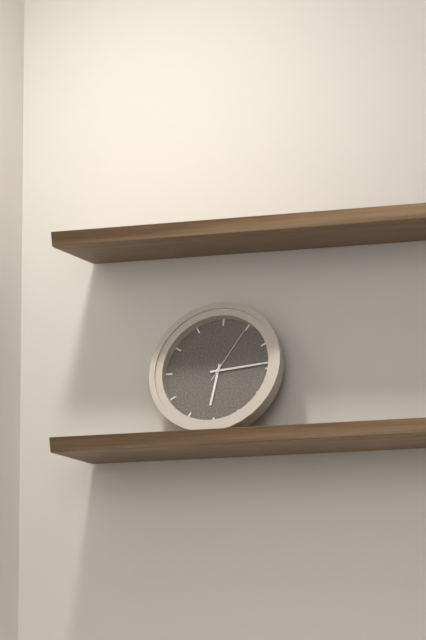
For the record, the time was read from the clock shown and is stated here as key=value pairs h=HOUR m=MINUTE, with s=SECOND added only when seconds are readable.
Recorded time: h=6 m=14 s=5
